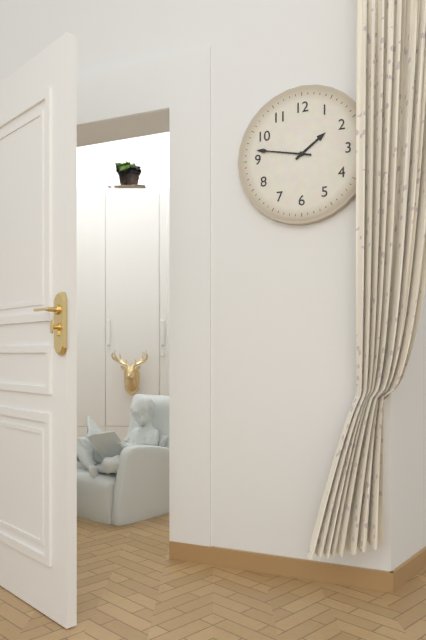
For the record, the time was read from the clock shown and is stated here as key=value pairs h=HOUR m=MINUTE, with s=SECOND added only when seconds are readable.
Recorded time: h=1 m=47
